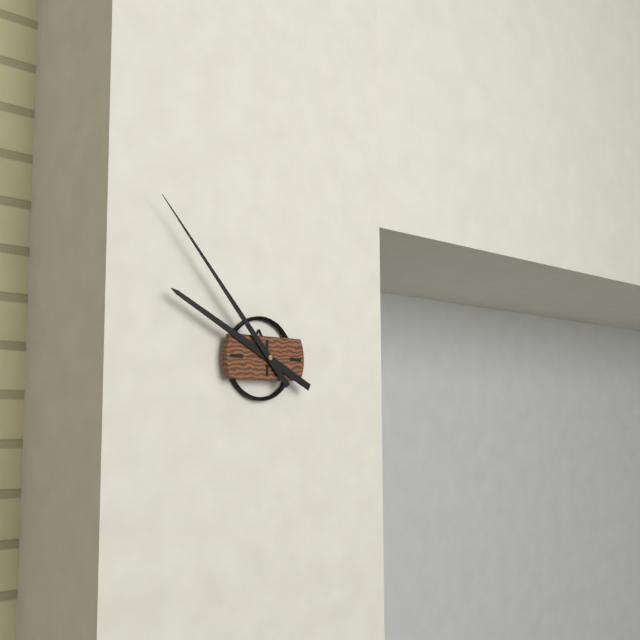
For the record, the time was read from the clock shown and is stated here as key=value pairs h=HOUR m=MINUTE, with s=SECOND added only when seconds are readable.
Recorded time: h=9 m=53
